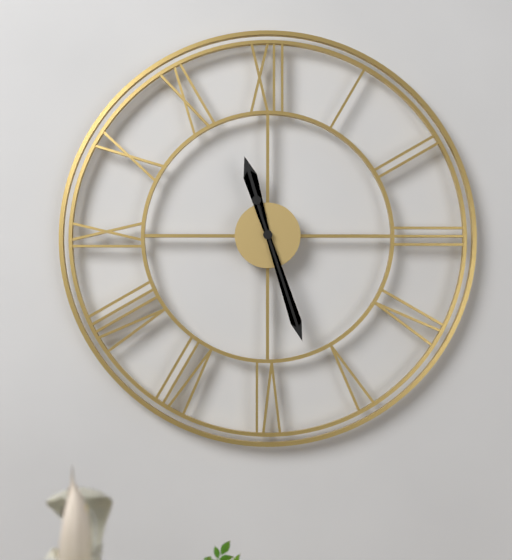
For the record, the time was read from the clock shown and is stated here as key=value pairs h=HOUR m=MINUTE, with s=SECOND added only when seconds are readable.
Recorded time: h=11 m=27
